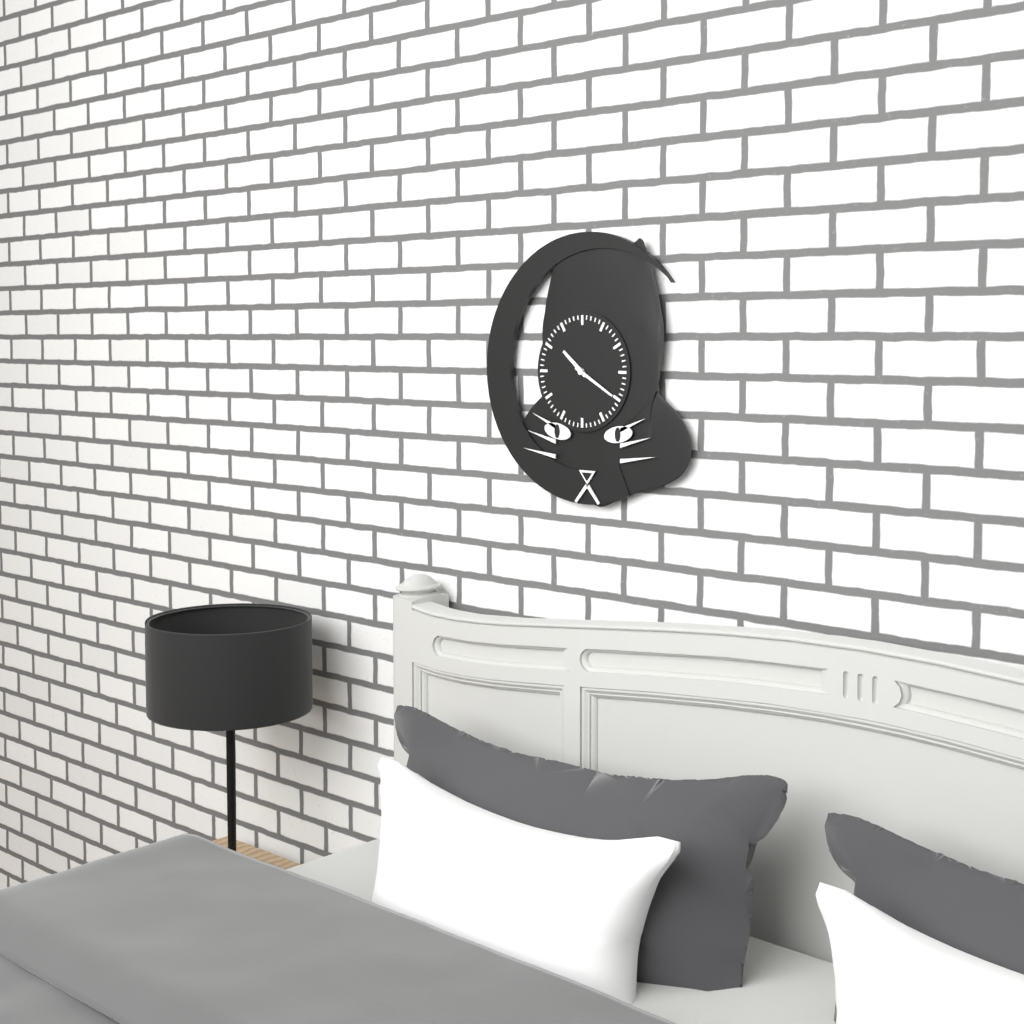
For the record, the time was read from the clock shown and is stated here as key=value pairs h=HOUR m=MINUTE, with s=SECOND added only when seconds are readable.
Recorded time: h=10 m=20
